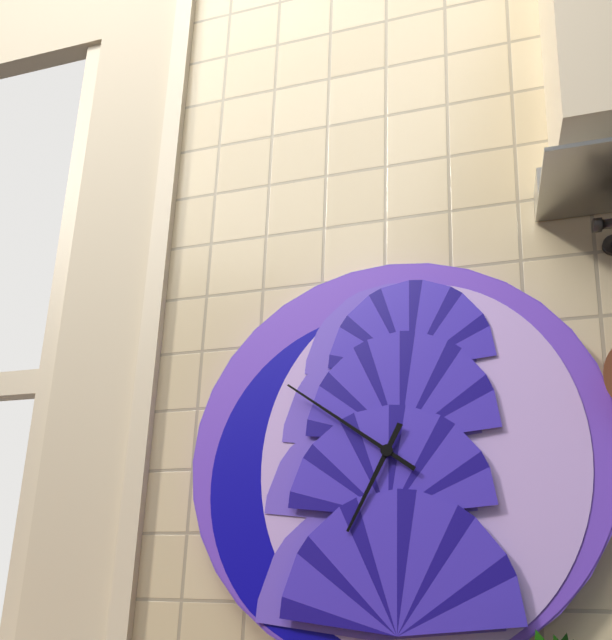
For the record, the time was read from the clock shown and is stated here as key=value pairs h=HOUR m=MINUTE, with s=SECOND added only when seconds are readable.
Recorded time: h=6 m=51
